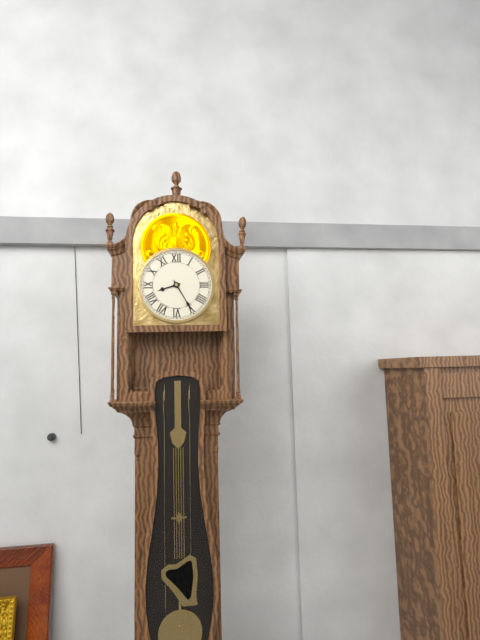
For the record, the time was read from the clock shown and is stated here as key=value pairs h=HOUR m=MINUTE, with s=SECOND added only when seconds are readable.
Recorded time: h=8 m=25
